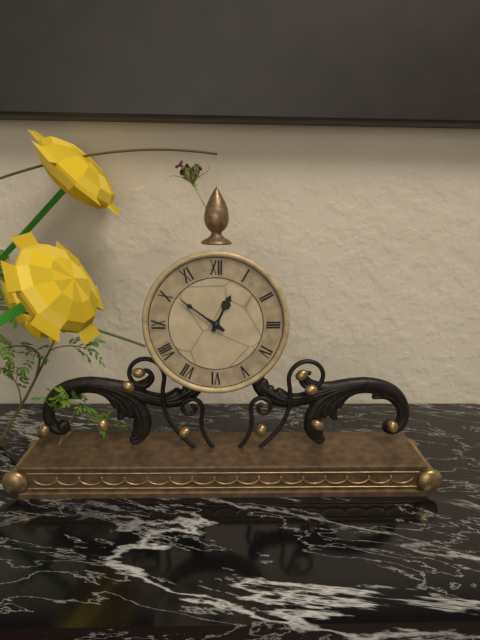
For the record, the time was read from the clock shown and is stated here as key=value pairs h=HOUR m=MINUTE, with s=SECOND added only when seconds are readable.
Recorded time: h=12 m=51
